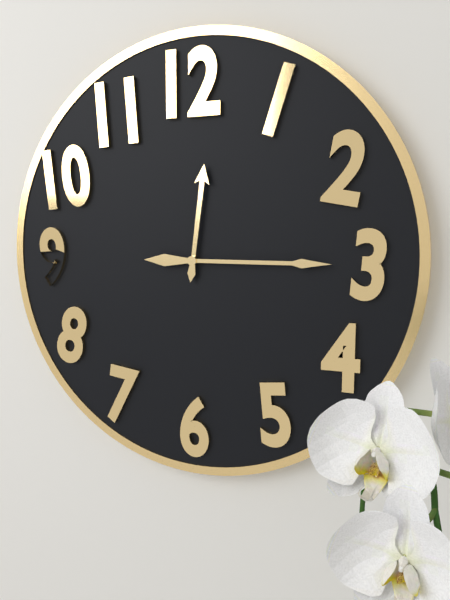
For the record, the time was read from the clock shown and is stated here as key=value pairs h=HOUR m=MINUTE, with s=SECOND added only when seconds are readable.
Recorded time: h=12 m=15
